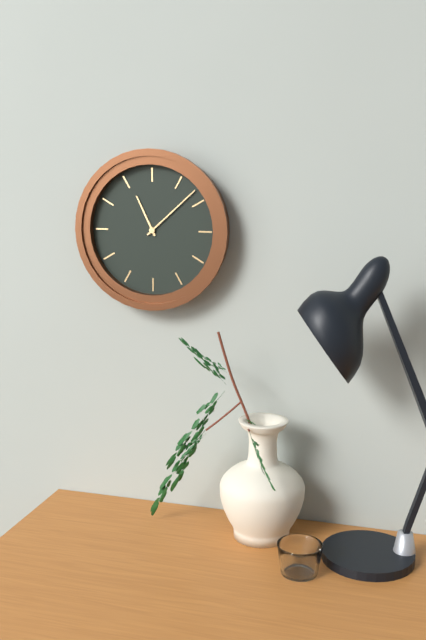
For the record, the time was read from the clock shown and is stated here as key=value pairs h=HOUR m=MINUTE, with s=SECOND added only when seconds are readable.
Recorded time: h=11 m=8
